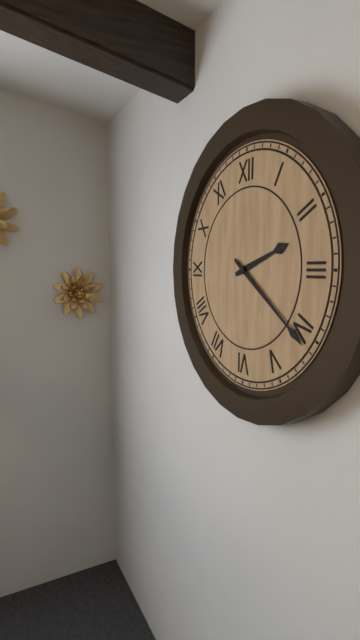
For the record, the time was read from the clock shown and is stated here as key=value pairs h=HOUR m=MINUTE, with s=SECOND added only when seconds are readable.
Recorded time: h=2 m=21
